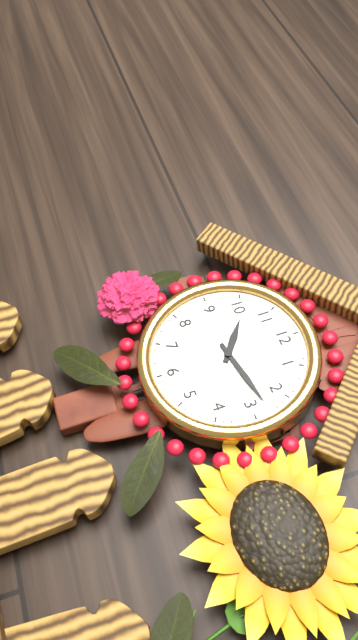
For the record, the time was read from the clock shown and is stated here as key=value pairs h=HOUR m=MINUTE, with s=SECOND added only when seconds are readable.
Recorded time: h=10 m=13
